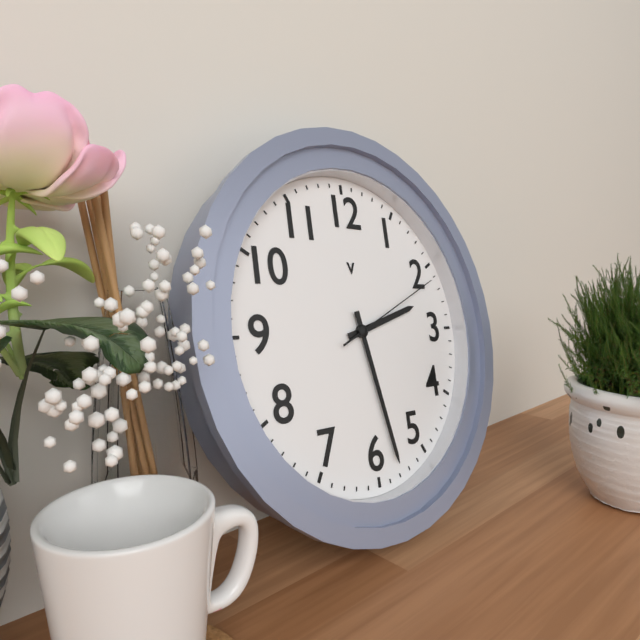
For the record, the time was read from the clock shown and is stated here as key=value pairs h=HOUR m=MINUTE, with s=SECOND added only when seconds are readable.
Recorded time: h=2 m=28 s=11
